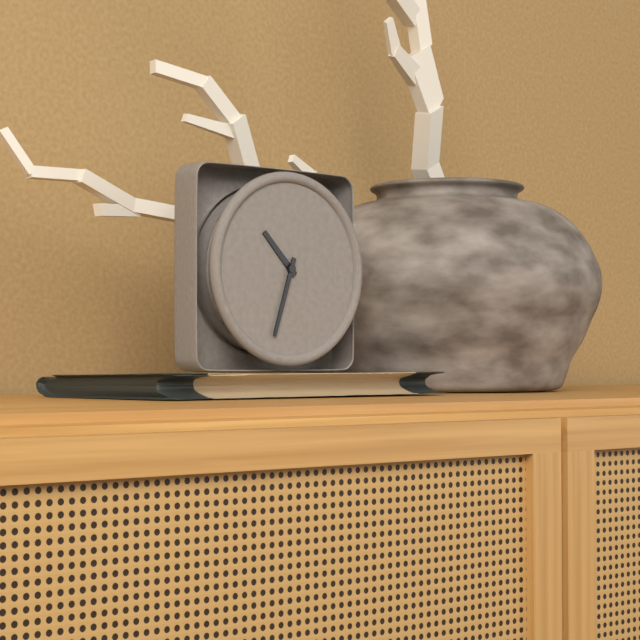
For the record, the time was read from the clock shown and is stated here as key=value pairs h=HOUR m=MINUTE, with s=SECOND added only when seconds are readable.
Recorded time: h=10 m=33
